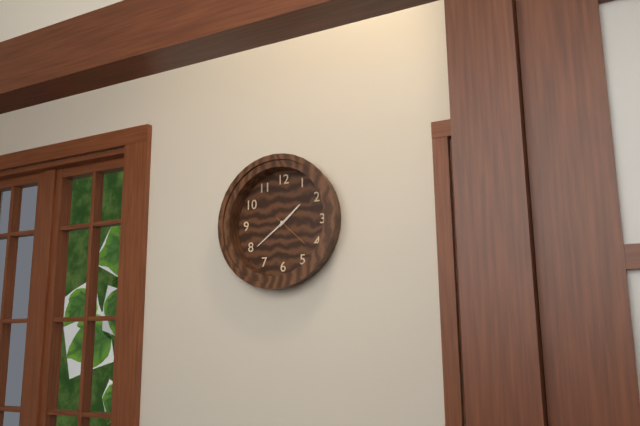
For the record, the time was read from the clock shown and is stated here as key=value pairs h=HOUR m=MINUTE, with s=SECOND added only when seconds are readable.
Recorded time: h=1 m=39
